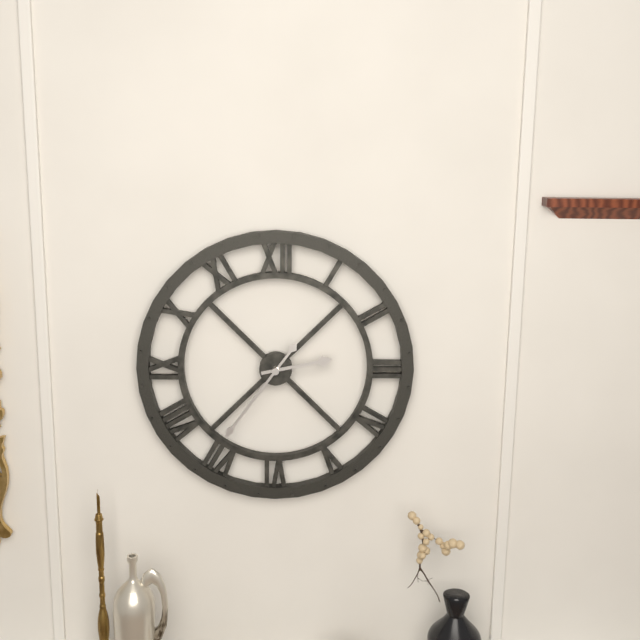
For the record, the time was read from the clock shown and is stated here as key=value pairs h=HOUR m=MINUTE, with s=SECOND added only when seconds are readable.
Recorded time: h=2 m=36
